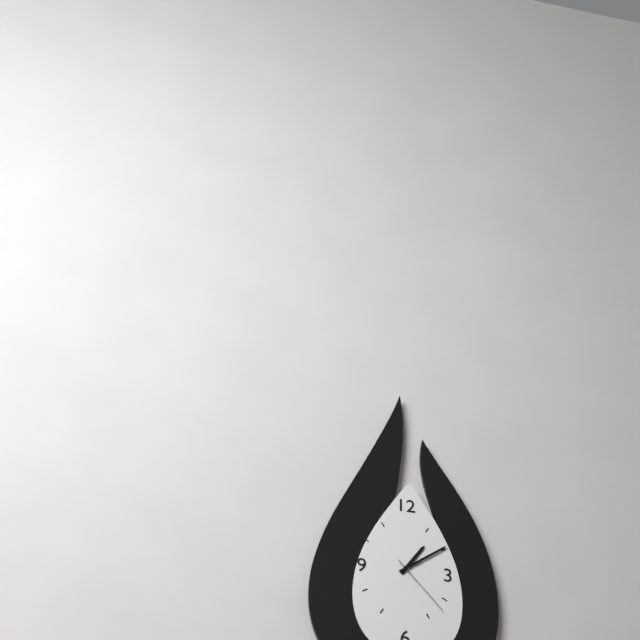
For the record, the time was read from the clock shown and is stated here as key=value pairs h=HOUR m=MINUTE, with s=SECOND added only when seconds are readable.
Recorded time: h=1 m=9 s=23
